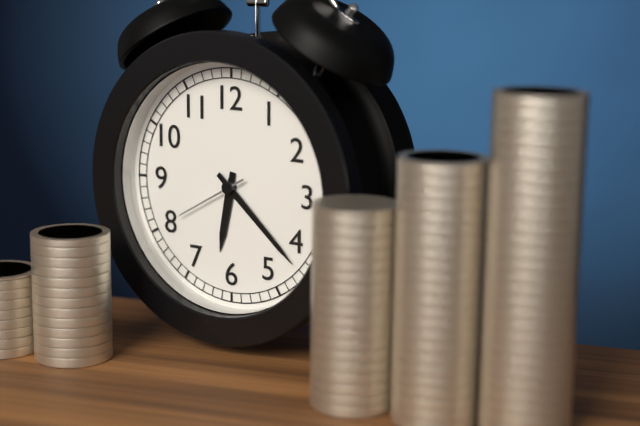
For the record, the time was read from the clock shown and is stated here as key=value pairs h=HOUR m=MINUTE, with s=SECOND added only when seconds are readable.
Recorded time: h=6 m=22 s=40
